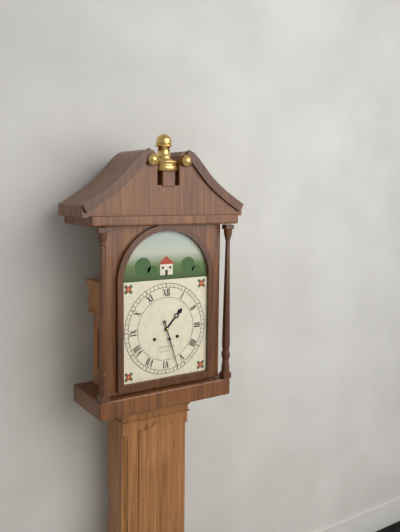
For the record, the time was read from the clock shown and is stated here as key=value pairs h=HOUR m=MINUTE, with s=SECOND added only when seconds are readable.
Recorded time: h=1 m=27
